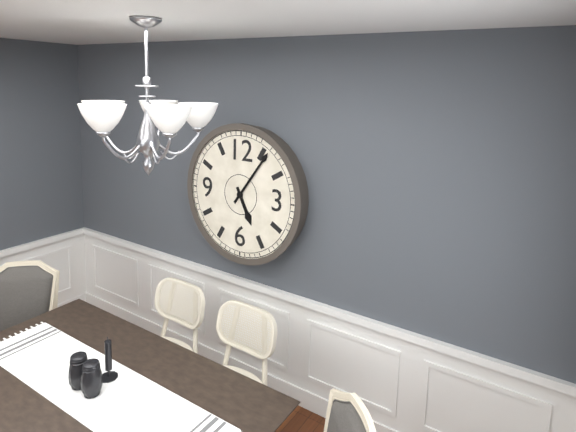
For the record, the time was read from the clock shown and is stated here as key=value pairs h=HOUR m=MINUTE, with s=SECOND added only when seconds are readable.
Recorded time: h=5 m=6
